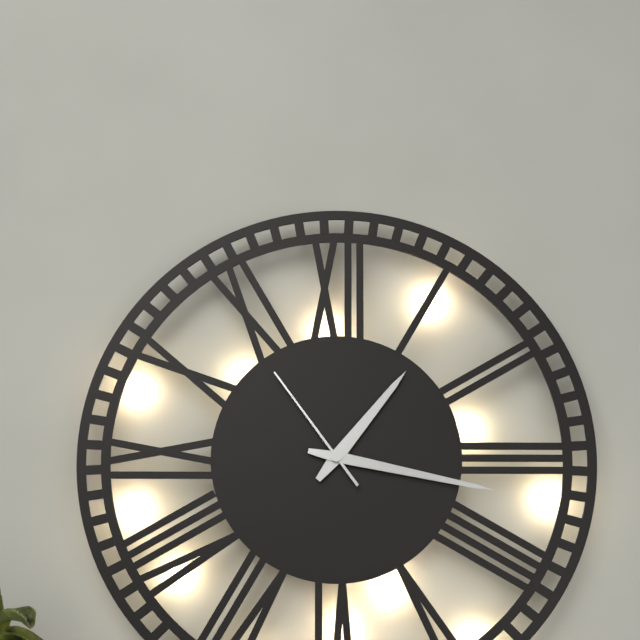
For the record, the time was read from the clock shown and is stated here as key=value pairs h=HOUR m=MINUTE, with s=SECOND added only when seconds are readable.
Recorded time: h=1 m=17 s=54
